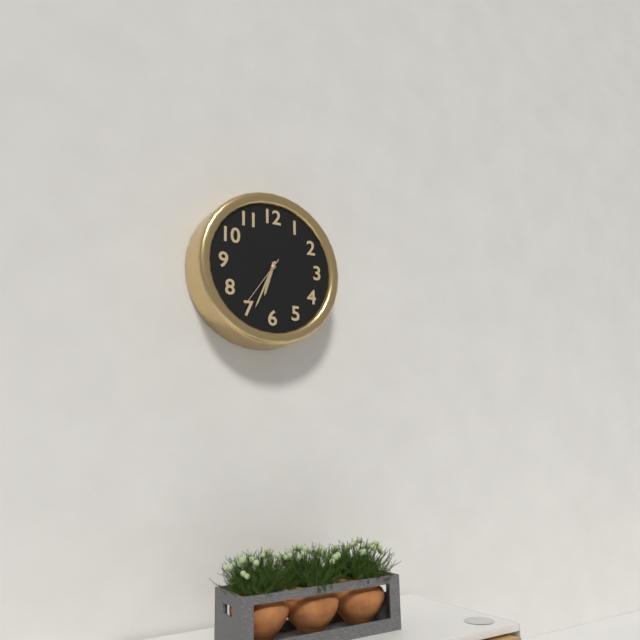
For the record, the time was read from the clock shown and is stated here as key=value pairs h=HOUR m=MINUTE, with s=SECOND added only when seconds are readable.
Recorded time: h=6 m=34 s=36
